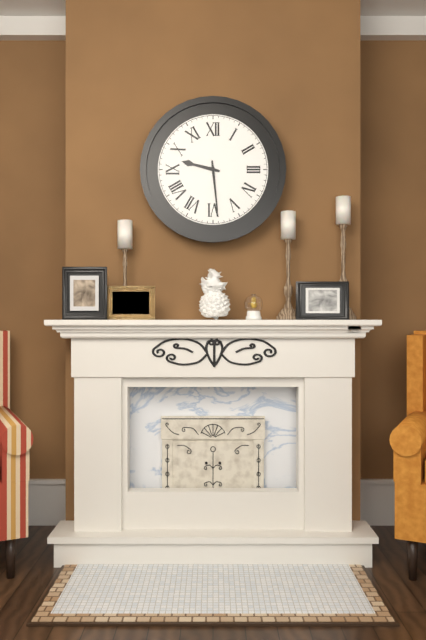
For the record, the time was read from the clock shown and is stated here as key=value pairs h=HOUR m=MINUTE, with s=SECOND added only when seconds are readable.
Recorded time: h=9 m=29
